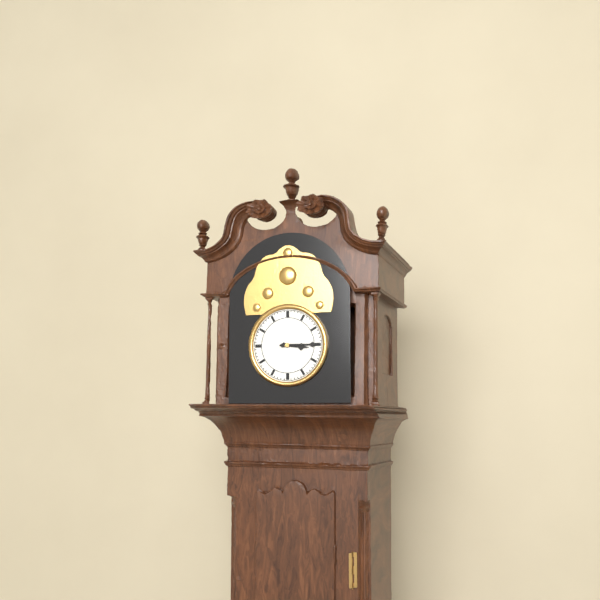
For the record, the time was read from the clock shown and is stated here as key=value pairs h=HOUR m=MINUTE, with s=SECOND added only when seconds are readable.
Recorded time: h=3 m=15
